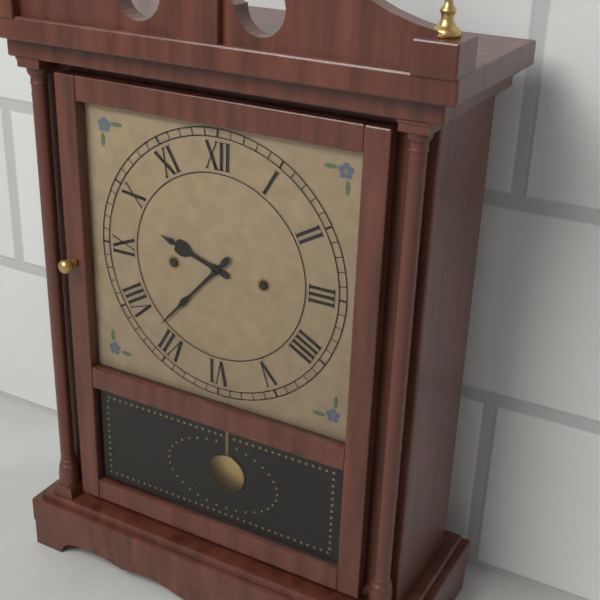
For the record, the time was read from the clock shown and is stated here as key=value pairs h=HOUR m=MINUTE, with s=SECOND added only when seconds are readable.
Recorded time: h=9 m=37
